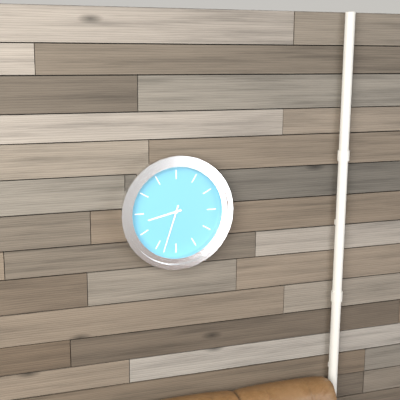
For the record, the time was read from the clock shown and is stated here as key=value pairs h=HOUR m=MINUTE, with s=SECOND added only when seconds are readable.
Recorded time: h=8 m=33
